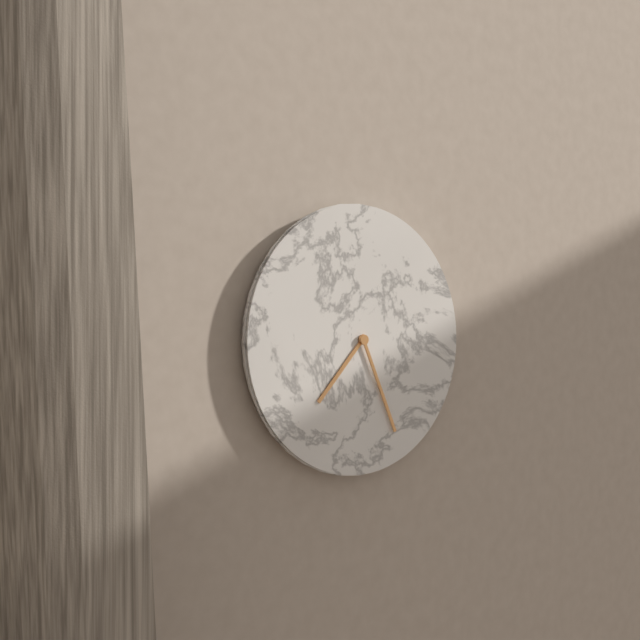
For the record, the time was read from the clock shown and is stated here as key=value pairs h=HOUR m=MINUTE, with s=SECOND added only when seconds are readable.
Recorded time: h=7 m=26
